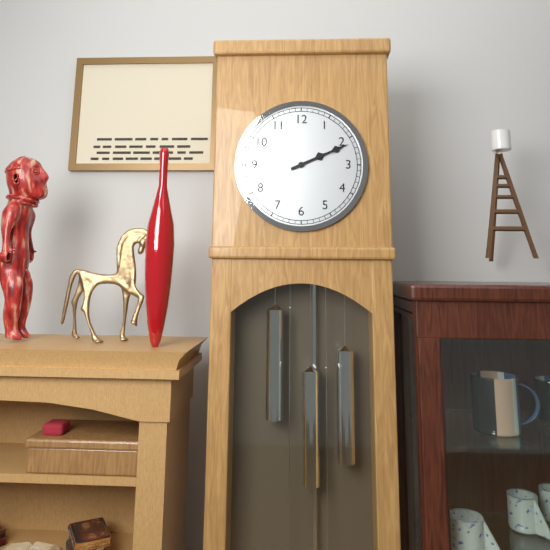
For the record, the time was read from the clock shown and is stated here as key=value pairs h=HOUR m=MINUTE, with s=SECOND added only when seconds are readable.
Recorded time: h=2 m=11
